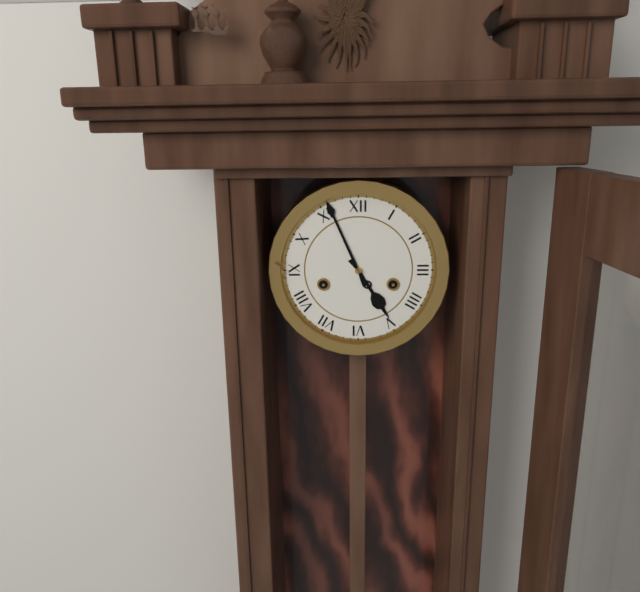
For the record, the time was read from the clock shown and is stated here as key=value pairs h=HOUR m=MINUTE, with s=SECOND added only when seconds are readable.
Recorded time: h=4 m=56
